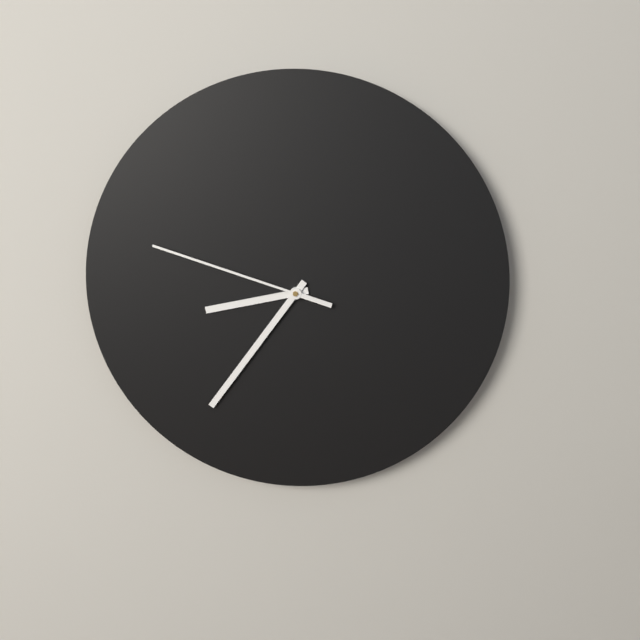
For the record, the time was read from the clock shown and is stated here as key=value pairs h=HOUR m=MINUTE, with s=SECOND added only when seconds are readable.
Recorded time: h=8 m=36 s=48
